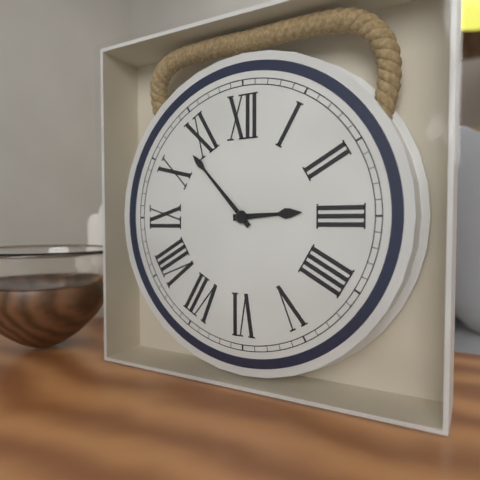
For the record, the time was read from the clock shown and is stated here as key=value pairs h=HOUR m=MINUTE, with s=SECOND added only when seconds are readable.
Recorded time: h=2 m=53
